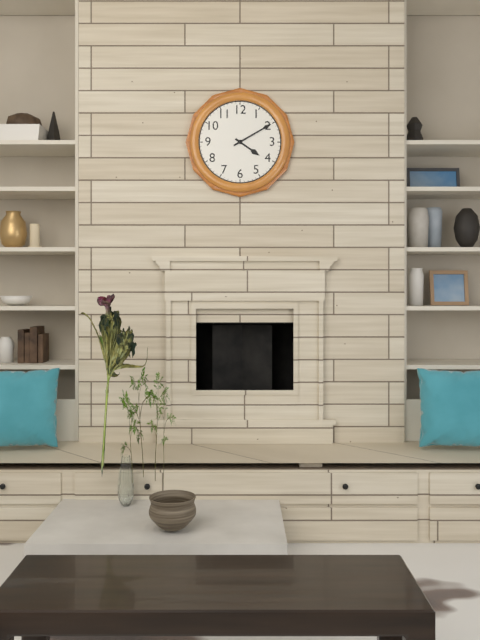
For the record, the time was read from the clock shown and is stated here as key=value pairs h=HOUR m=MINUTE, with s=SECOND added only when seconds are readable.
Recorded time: h=4 m=10
